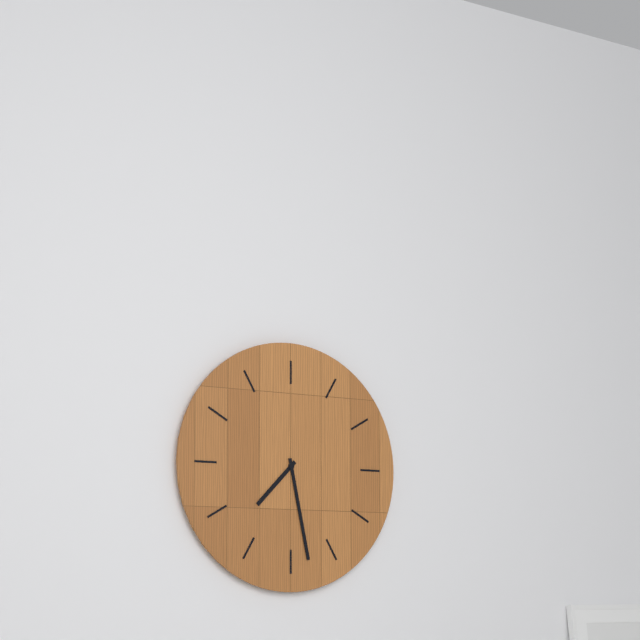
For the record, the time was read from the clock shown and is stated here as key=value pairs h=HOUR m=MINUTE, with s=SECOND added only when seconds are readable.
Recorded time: h=7 m=28
